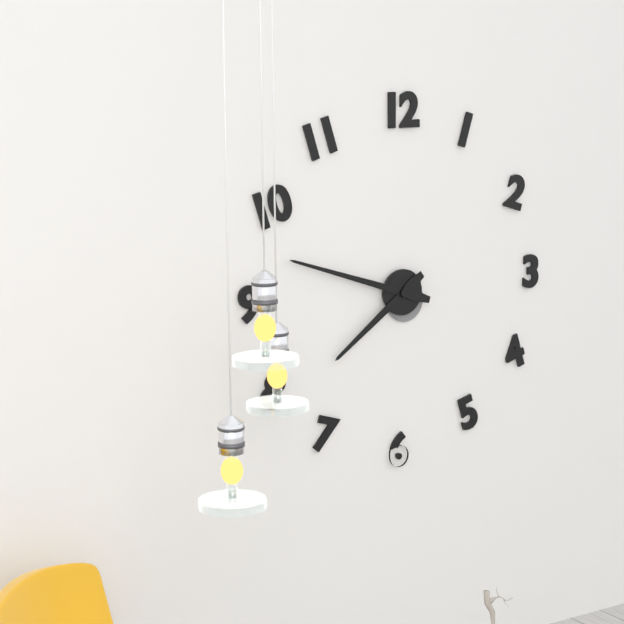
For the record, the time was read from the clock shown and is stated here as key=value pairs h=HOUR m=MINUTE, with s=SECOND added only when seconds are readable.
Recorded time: h=7 m=48
